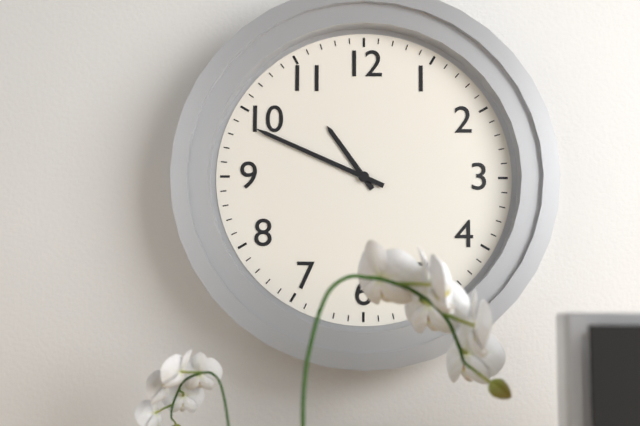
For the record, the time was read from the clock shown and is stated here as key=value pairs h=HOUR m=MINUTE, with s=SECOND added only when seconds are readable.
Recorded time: h=10 m=49
